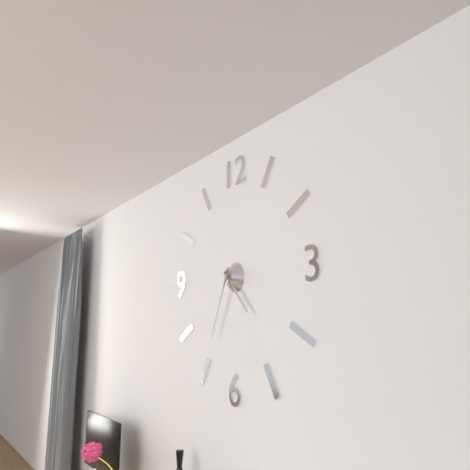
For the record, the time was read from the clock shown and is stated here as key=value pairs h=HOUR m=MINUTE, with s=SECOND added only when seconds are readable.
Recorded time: h=4 m=34
